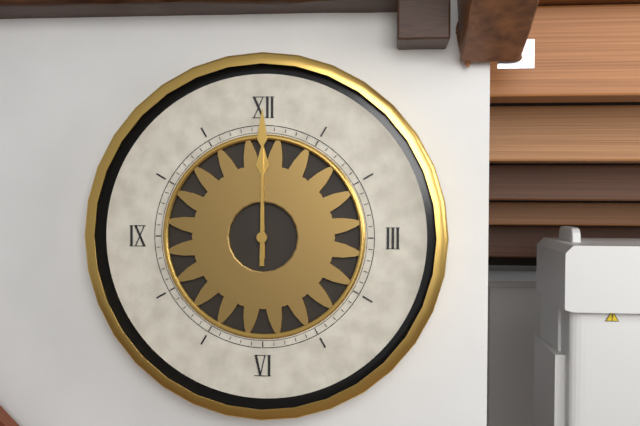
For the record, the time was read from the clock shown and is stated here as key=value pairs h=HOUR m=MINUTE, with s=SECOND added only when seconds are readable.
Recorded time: h=12 m=0
